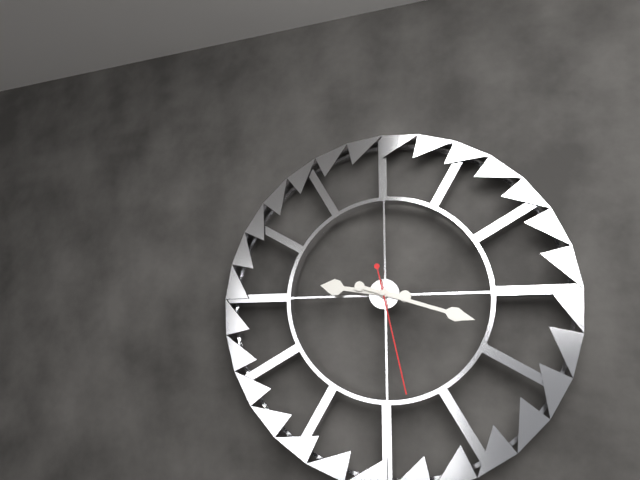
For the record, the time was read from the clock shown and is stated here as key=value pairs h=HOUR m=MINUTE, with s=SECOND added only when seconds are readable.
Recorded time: h=9 m=18 s=28
